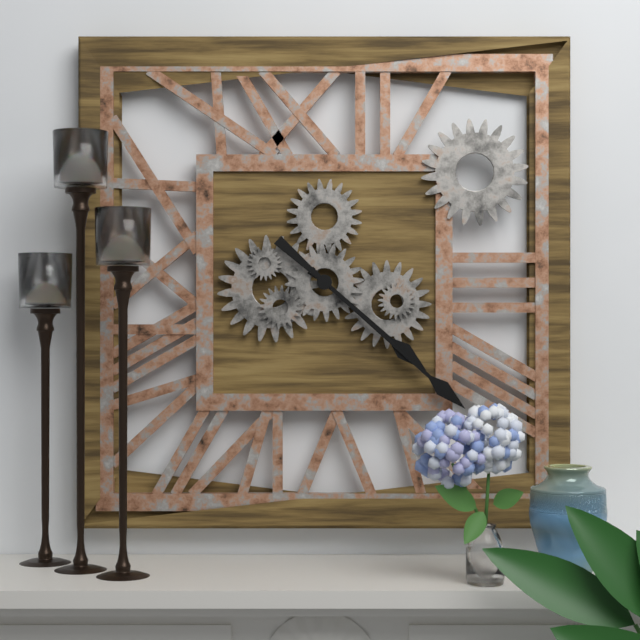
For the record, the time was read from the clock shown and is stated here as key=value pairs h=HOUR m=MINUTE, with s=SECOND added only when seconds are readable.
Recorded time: h=4 m=22
